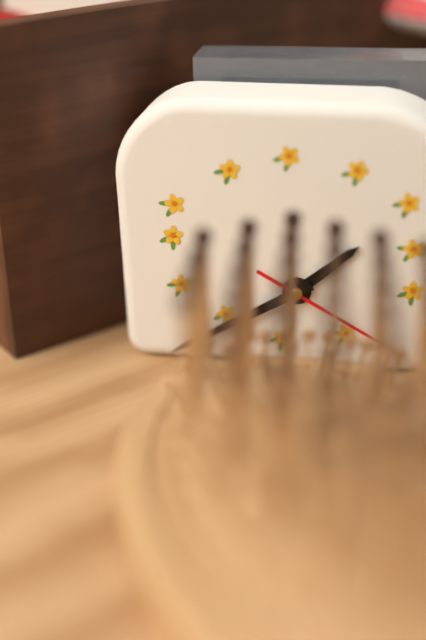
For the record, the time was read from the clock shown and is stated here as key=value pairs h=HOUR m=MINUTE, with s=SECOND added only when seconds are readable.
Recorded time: h=1 m=40 s=20
